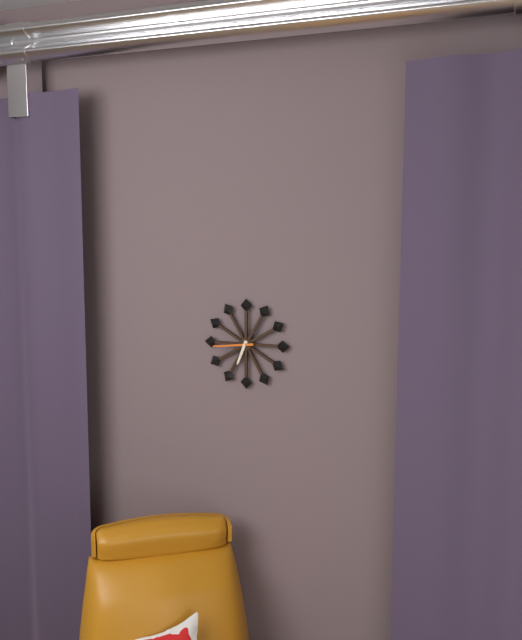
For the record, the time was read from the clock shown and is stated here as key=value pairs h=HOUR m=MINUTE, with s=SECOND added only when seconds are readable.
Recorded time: h=6 m=44
